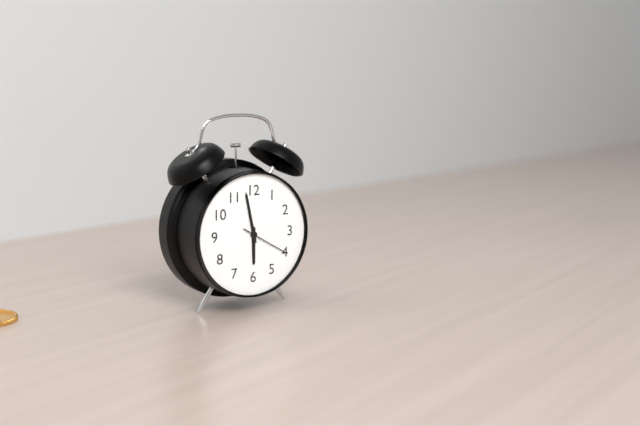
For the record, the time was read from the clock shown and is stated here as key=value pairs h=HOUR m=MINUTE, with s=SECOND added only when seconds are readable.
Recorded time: h=5 m=58
